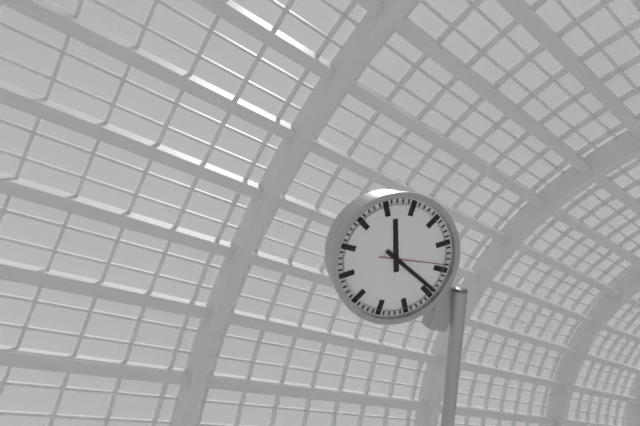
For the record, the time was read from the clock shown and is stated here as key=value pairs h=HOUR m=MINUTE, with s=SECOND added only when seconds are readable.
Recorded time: h=11 m=19 s=14
